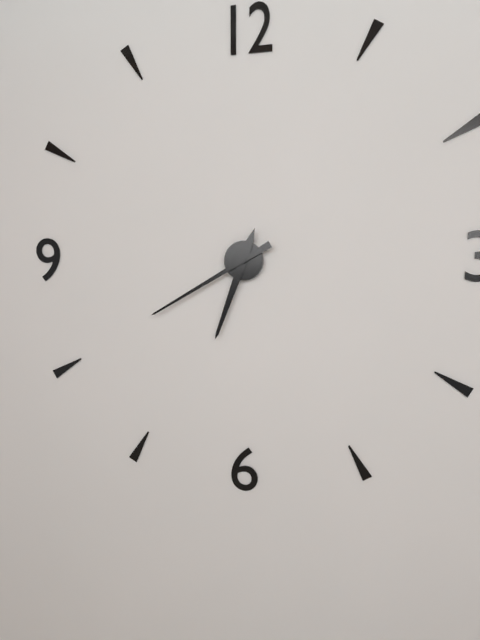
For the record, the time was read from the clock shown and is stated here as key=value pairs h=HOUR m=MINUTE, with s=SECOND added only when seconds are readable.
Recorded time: h=6 m=40
